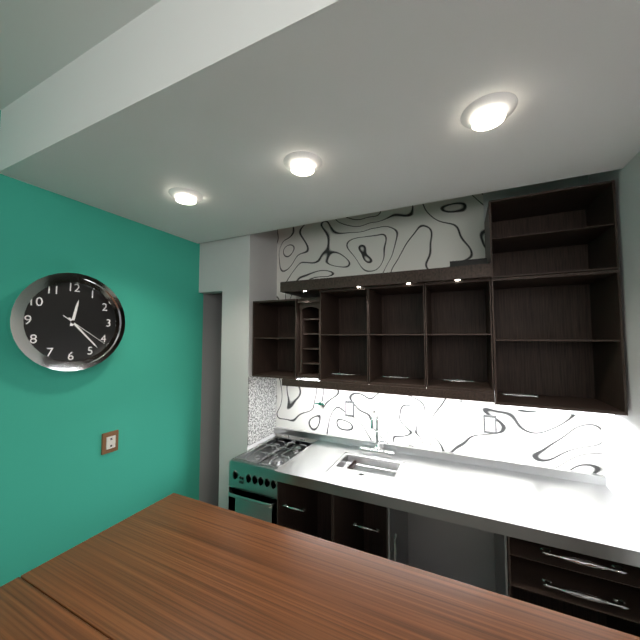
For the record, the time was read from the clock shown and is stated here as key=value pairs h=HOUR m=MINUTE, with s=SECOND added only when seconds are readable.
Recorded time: h=12 m=23
